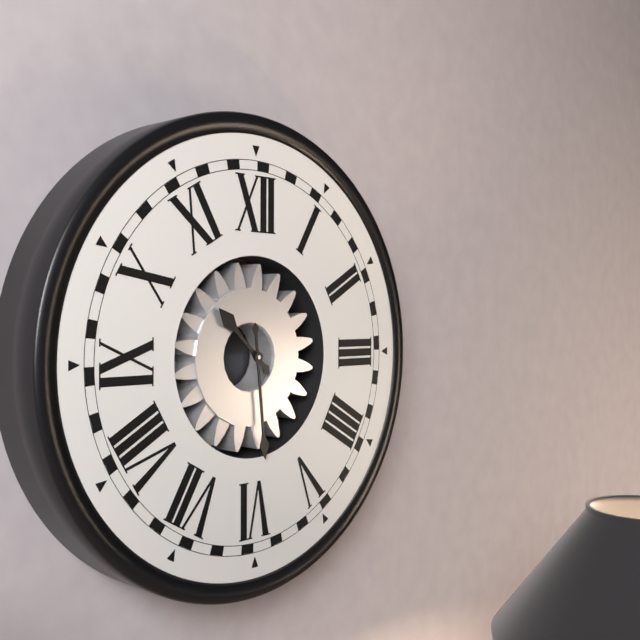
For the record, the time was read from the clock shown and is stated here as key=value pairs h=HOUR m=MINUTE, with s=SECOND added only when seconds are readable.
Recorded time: h=10 m=29
